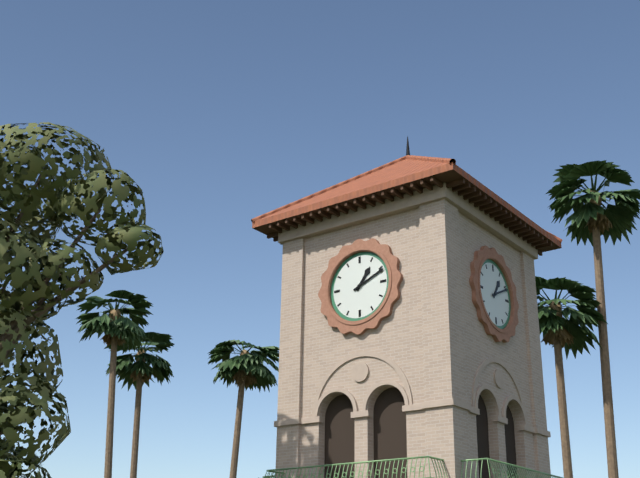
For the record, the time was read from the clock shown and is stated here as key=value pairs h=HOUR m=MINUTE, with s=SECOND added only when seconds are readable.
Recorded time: h=1 m=11
